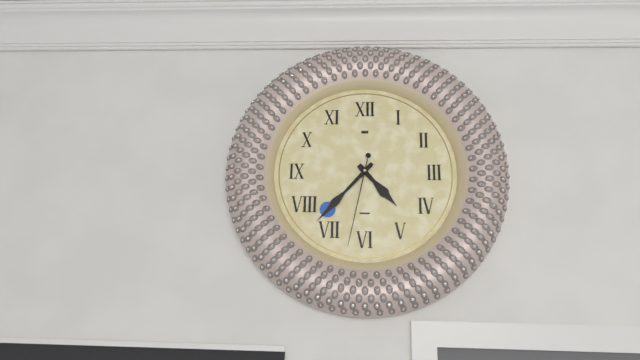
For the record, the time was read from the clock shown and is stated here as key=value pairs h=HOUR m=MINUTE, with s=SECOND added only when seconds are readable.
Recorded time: h=4 m=37 s=32
